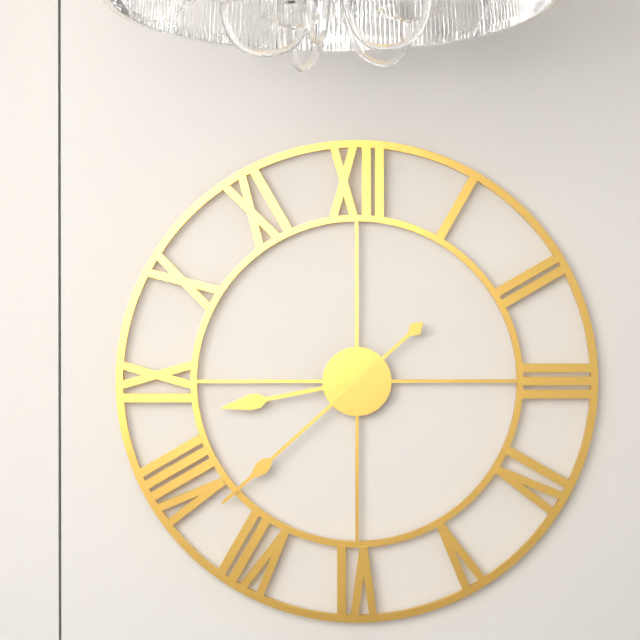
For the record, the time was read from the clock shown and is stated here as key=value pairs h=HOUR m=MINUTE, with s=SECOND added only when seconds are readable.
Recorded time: h=8 m=38
